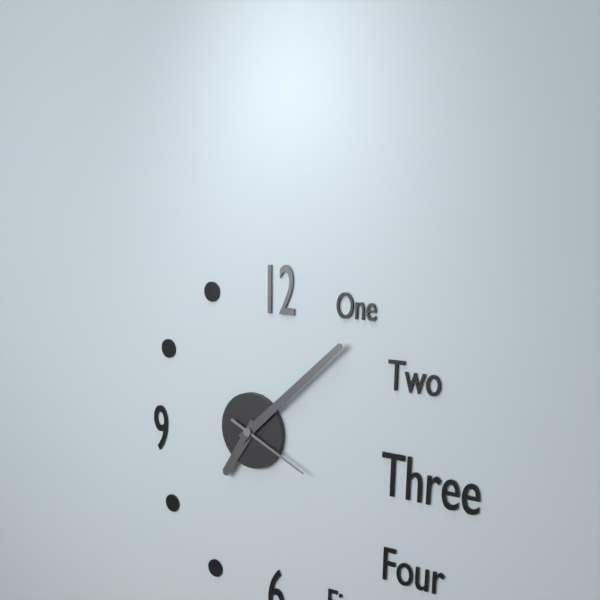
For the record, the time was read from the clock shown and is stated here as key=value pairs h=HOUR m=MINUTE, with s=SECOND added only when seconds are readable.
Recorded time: h=7 m=8 s=19
